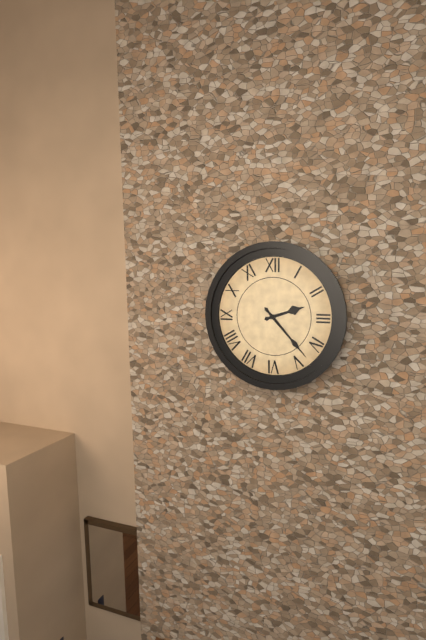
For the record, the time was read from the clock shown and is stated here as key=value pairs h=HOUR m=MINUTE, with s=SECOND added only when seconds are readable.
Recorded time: h=2 m=23
